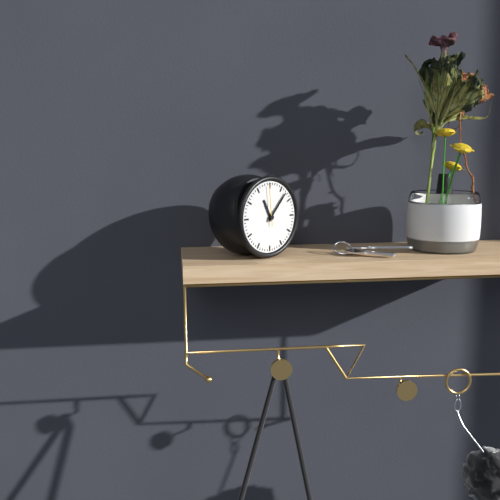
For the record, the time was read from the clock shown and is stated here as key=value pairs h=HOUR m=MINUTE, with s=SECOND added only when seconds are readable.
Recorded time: h=11 m=7
